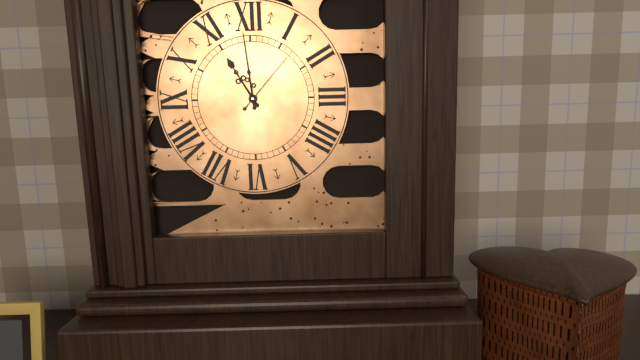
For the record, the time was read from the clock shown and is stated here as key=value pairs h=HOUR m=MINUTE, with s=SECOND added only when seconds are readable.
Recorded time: h=10 m=59 s=7
